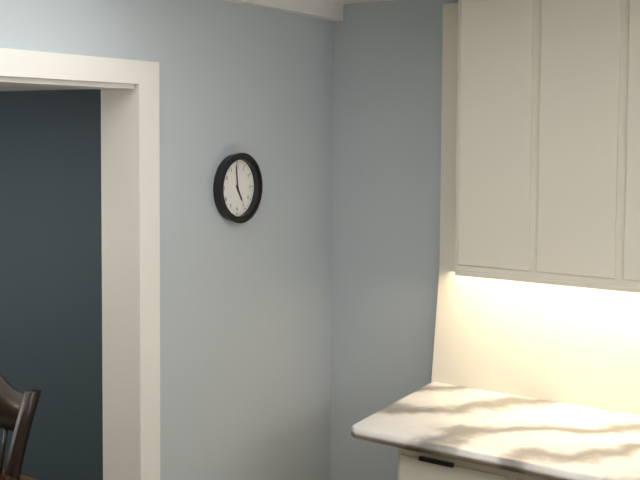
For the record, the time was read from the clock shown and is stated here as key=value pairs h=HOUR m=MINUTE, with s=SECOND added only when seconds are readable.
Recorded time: h=4 m=59
